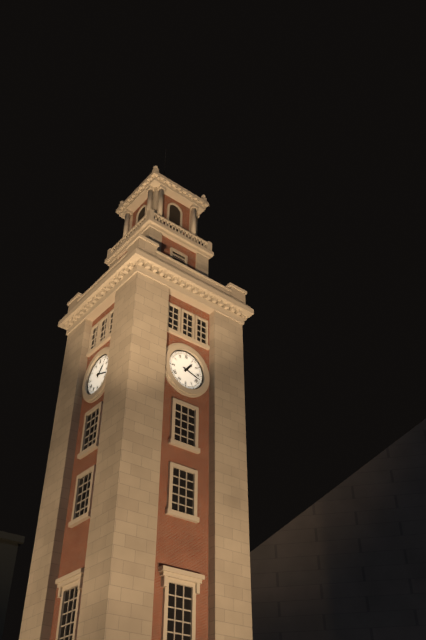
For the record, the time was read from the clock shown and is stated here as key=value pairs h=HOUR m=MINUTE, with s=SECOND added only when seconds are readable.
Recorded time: h=1 m=18
